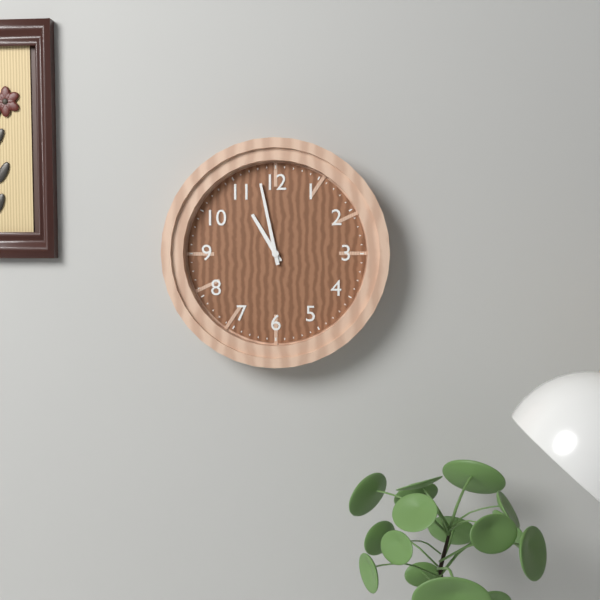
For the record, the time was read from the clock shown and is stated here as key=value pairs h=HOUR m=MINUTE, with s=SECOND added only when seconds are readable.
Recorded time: h=10 m=58
